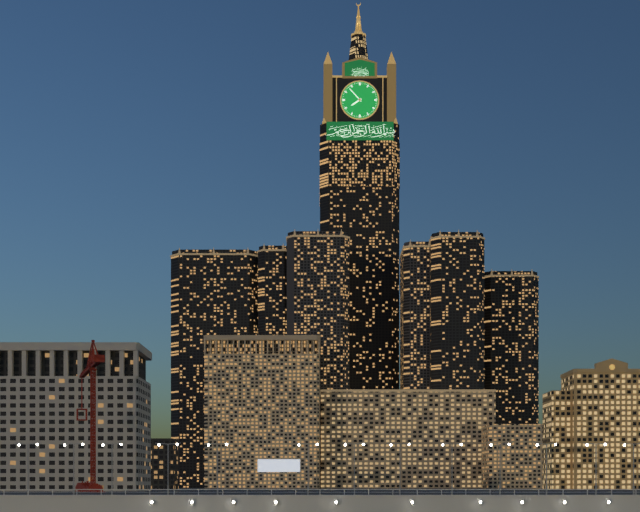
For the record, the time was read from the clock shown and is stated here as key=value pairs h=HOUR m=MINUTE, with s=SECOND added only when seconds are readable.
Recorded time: h=7 m=53
